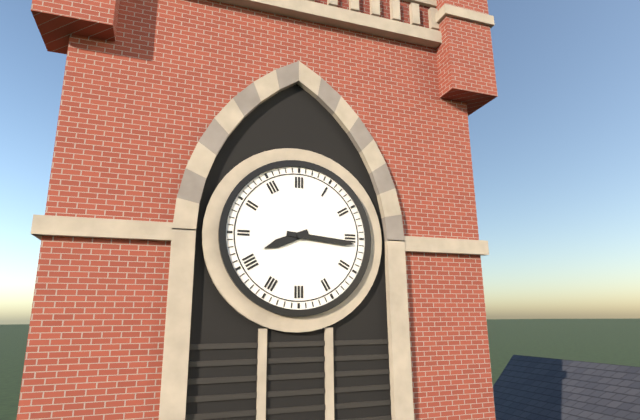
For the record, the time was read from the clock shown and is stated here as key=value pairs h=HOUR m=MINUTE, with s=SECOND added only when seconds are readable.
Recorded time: h=8 m=16
